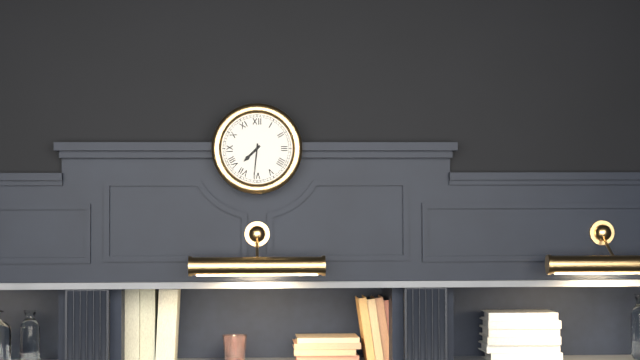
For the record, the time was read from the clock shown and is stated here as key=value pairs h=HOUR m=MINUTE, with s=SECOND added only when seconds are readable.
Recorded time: h=7 m=31
